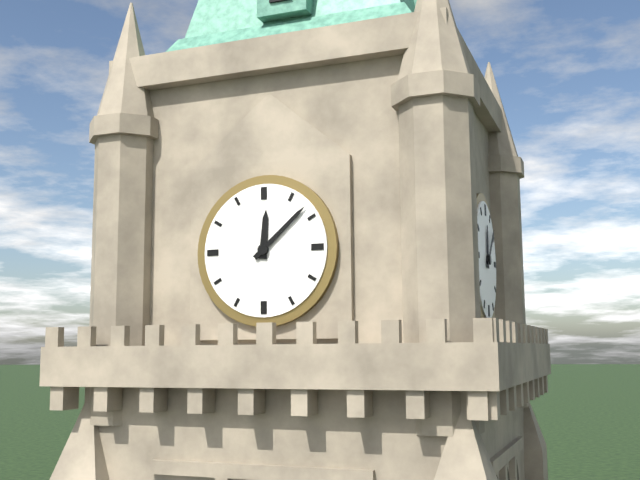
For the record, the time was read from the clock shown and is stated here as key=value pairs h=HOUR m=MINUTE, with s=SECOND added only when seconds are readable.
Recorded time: h=12 m=8
